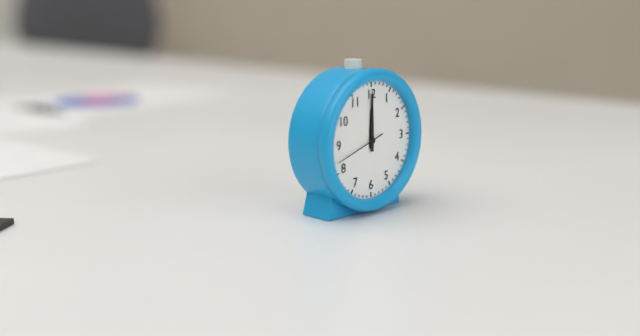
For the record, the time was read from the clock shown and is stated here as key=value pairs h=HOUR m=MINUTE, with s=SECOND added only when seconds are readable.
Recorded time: h=12 m=0
